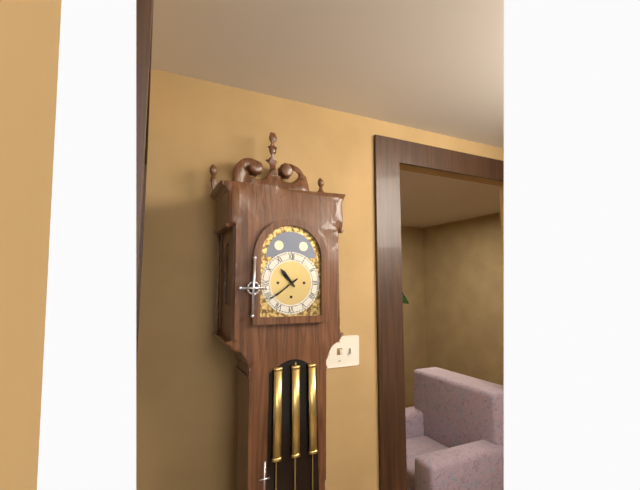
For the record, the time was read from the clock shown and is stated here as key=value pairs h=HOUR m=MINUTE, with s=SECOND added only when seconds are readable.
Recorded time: h=10 m=39
